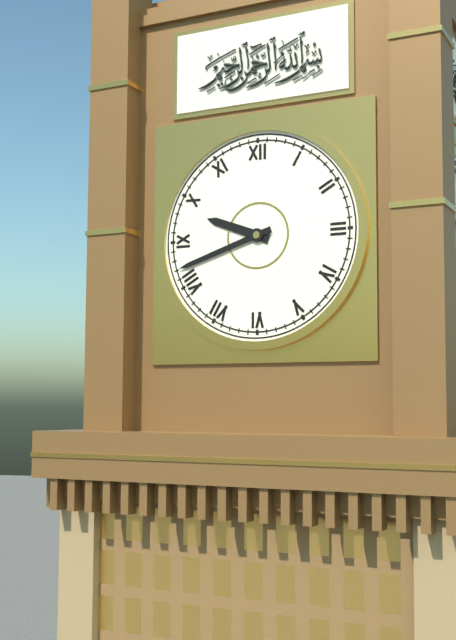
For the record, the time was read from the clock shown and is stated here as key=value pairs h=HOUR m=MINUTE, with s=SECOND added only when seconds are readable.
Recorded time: h=9 m=42
